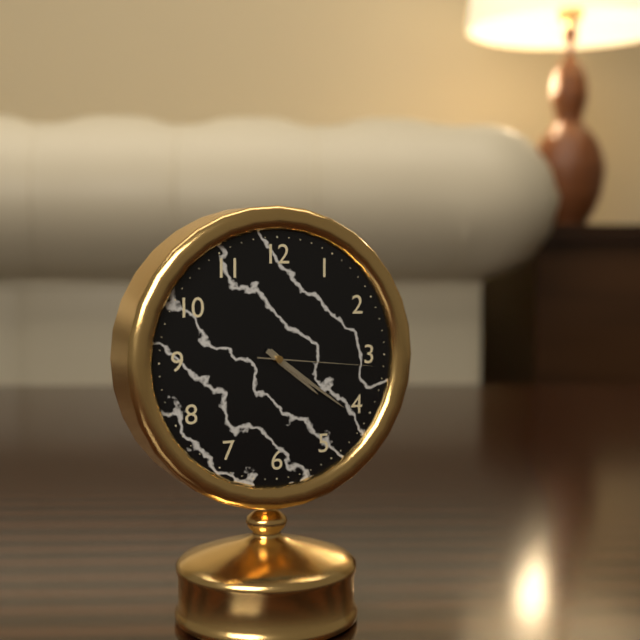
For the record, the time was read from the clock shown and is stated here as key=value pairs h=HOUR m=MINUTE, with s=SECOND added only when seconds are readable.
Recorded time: h=4 m=21 s=16
